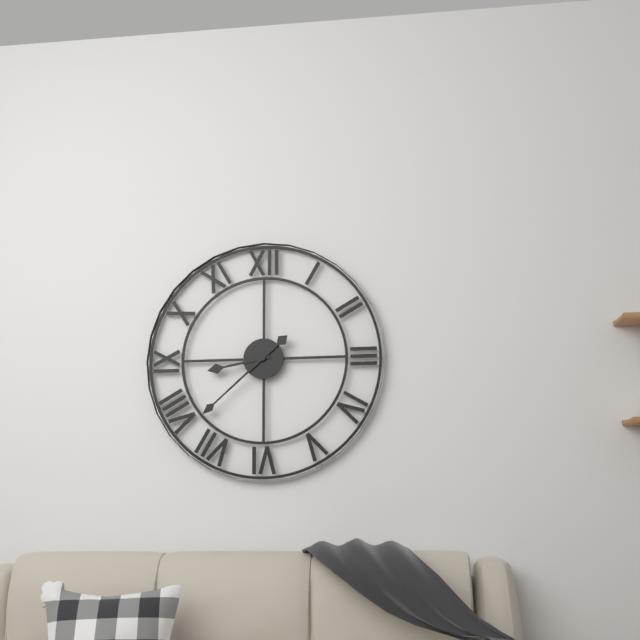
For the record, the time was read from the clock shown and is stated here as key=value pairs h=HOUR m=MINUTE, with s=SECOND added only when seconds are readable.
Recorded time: h=8 m=38
